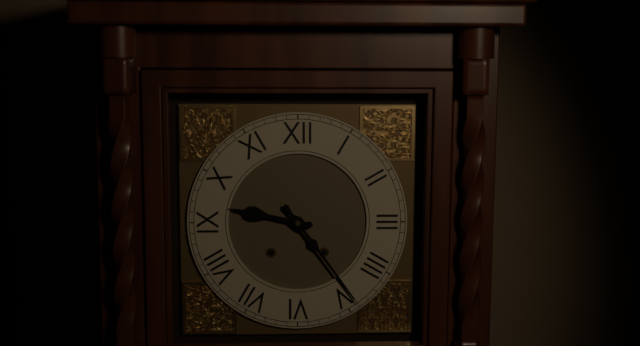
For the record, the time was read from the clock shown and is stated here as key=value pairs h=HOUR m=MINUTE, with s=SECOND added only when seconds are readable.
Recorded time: h=9 m=24
